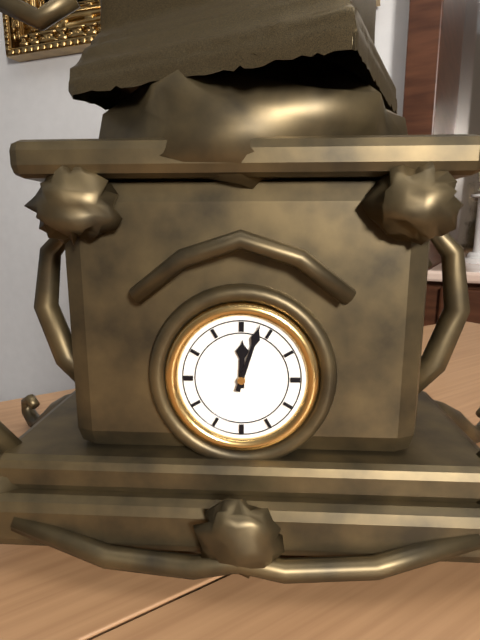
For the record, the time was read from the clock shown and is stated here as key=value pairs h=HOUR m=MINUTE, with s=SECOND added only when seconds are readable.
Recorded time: h=12 m=3
